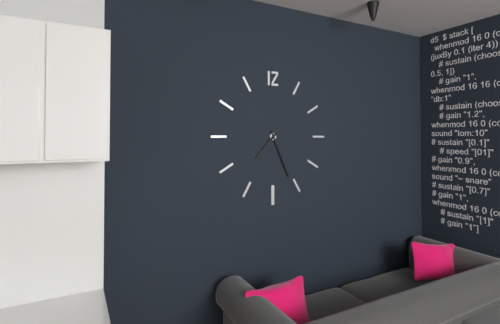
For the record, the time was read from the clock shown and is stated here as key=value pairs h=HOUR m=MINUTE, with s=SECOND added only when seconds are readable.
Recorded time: h=7 m=26
